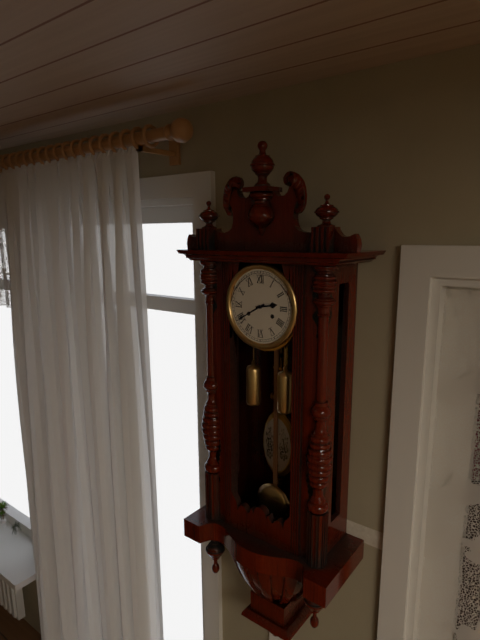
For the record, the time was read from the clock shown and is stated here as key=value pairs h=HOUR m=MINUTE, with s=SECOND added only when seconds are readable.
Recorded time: h=2 m=40
